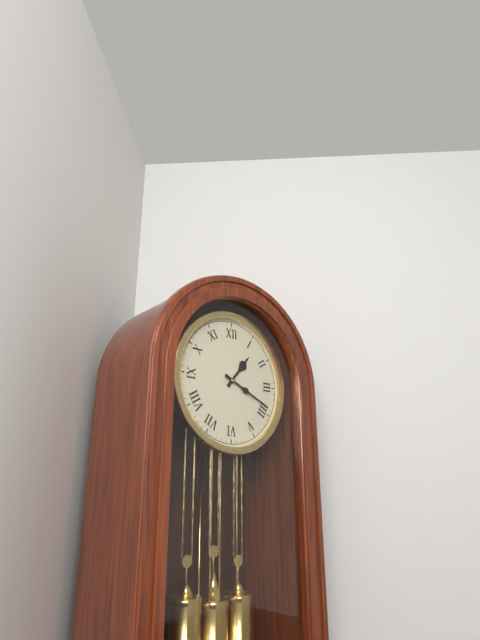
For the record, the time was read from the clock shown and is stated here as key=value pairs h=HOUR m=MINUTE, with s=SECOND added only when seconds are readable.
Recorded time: h=1 m=19
